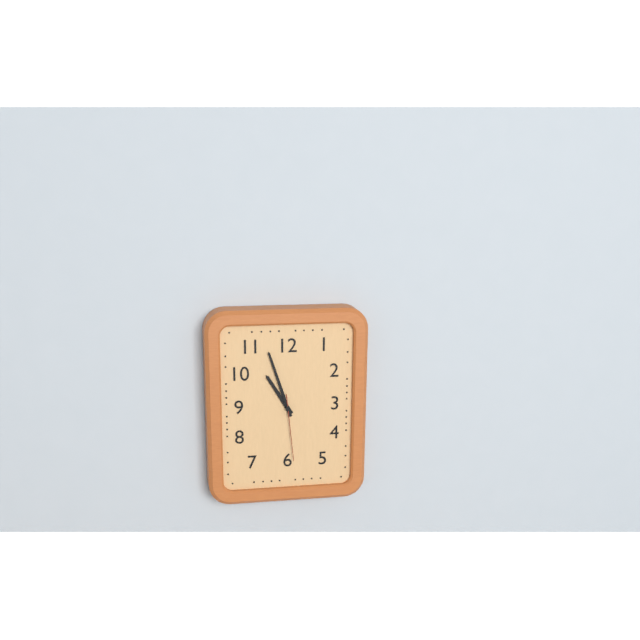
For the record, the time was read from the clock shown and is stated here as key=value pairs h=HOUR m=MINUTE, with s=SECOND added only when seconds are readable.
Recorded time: h=10 m=57 s=29
